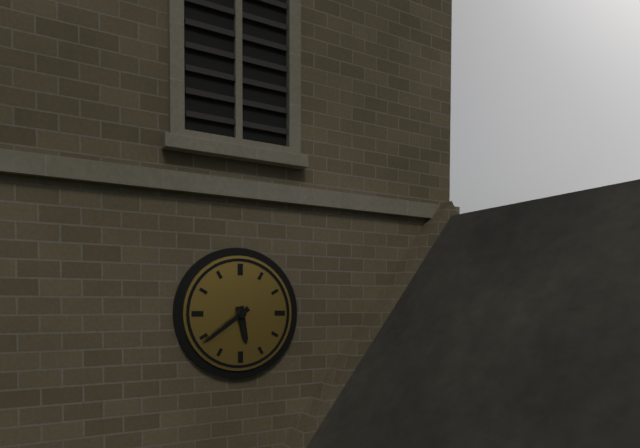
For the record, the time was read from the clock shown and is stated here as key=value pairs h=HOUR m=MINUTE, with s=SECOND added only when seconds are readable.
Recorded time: h=5 m=39
